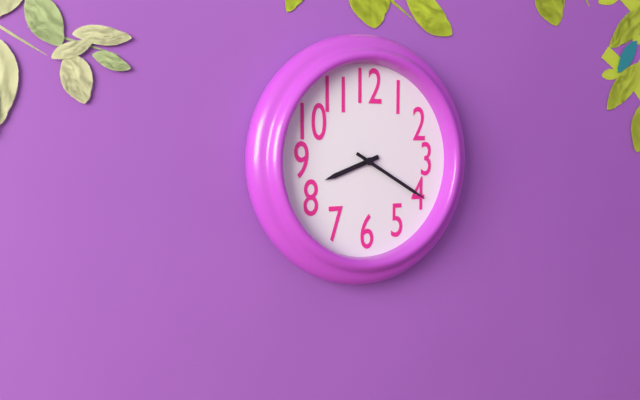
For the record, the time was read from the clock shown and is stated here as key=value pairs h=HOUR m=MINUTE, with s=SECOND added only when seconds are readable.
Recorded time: h=8 m=20
